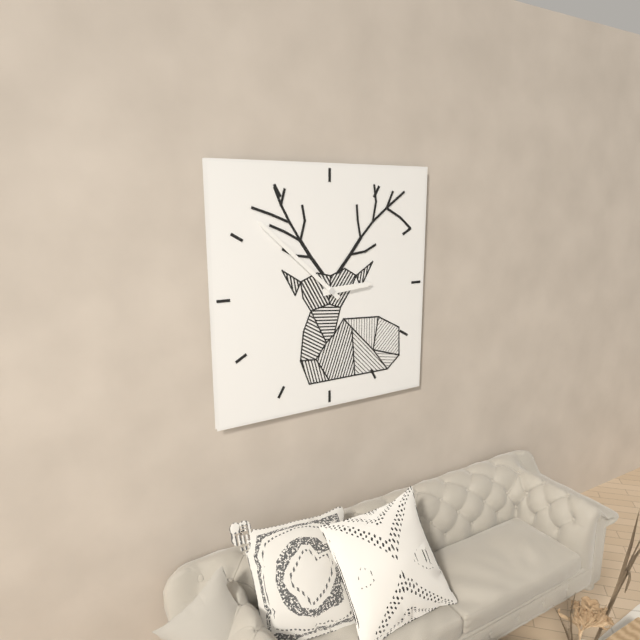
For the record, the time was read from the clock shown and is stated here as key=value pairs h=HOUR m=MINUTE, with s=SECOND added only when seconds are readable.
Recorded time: h=2 m=52
